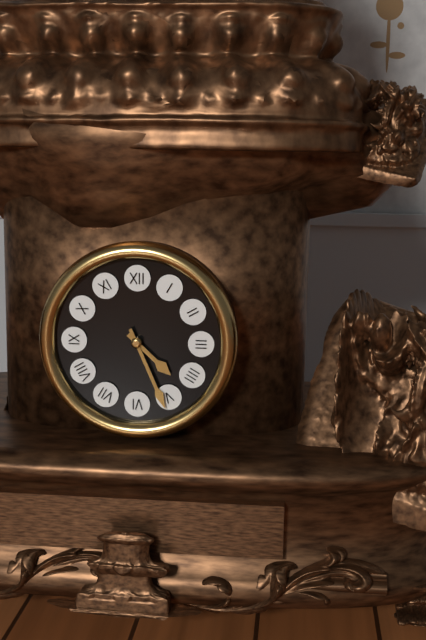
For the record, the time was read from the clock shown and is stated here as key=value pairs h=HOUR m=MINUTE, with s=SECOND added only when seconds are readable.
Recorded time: h=4 m=26
